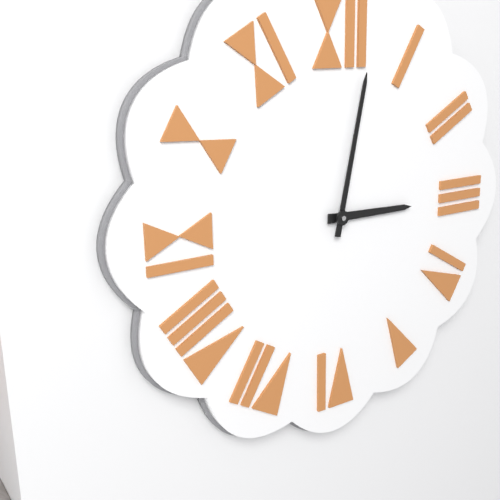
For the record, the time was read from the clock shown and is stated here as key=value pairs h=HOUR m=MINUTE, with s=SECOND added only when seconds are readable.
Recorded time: h=3 m=2
